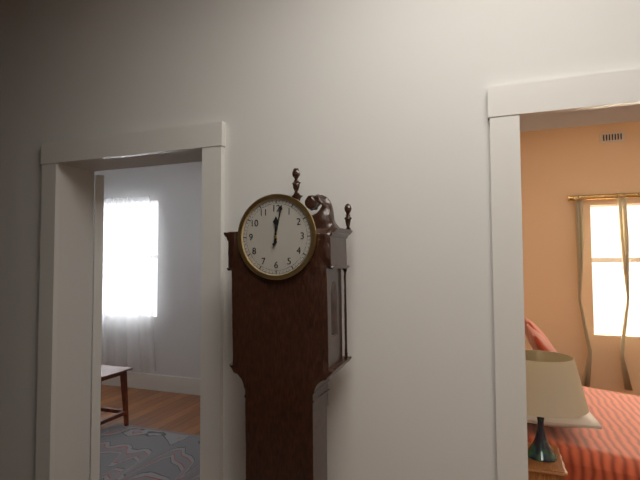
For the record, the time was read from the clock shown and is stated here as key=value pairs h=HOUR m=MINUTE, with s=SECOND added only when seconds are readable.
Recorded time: h=12 m=2
